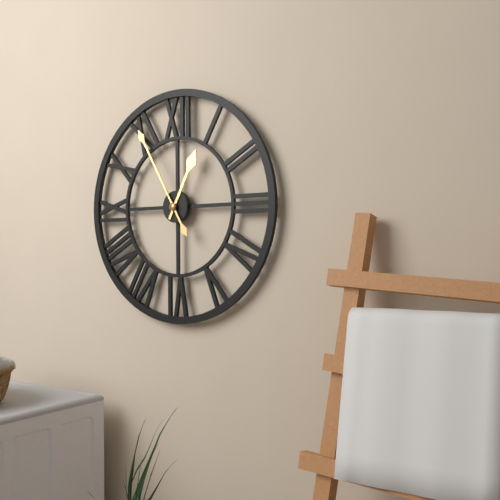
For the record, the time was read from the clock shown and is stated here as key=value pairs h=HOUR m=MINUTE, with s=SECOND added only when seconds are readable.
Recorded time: h=12 m=55
